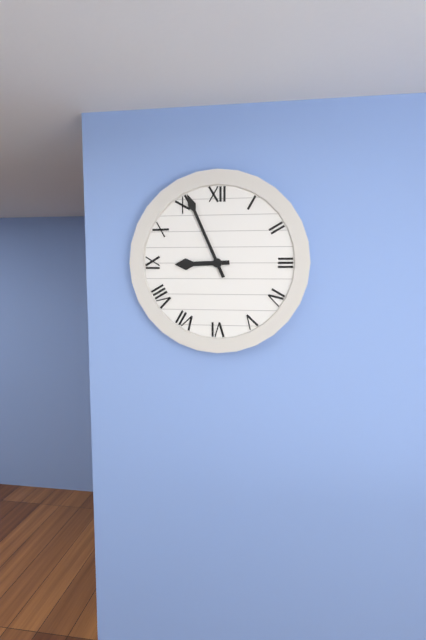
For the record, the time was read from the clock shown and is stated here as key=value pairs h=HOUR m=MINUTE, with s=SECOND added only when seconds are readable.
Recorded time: h=8 m=56
